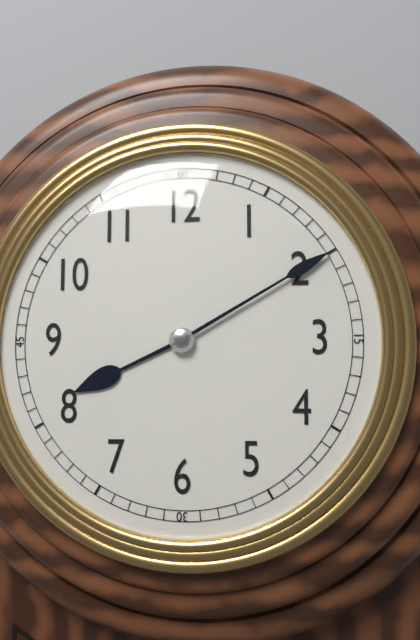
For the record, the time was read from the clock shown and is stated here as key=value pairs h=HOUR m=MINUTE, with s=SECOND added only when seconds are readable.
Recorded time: h=8 m=10
